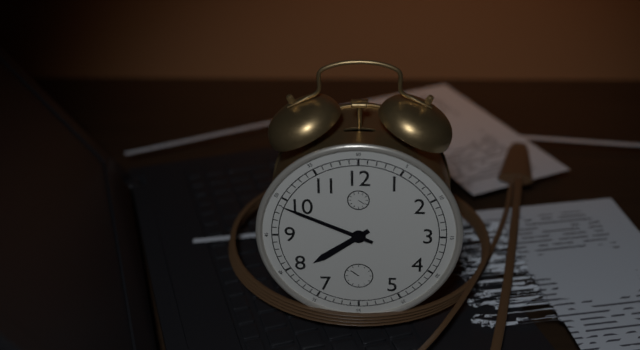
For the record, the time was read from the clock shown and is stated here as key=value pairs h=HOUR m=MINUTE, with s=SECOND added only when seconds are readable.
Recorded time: h=7 m=49
